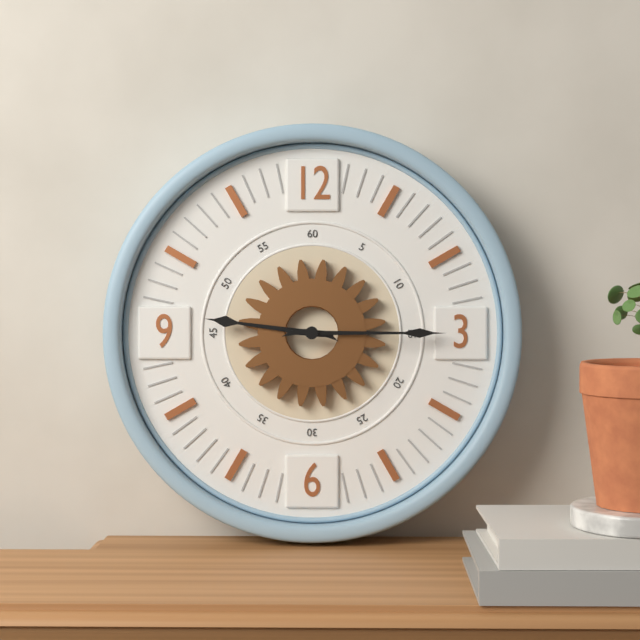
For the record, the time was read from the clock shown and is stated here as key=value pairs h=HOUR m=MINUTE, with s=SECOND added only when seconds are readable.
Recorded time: h=9 m=15
